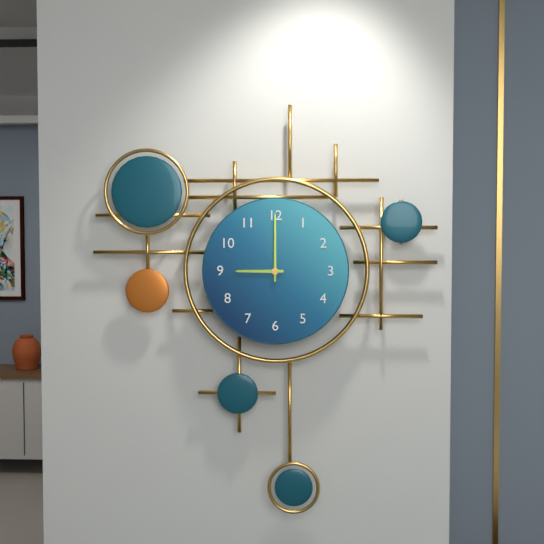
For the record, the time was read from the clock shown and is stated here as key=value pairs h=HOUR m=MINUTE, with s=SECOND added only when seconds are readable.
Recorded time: h=9 m=0
